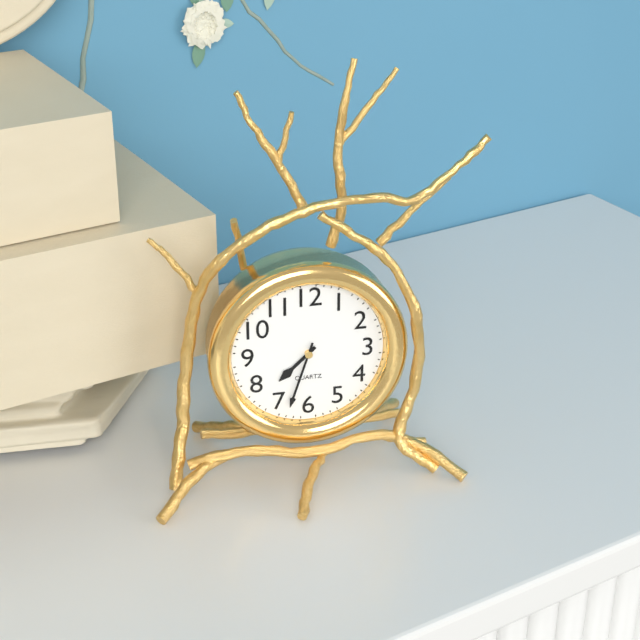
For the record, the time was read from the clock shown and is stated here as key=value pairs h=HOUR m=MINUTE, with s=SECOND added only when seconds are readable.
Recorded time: h=7 m=33
